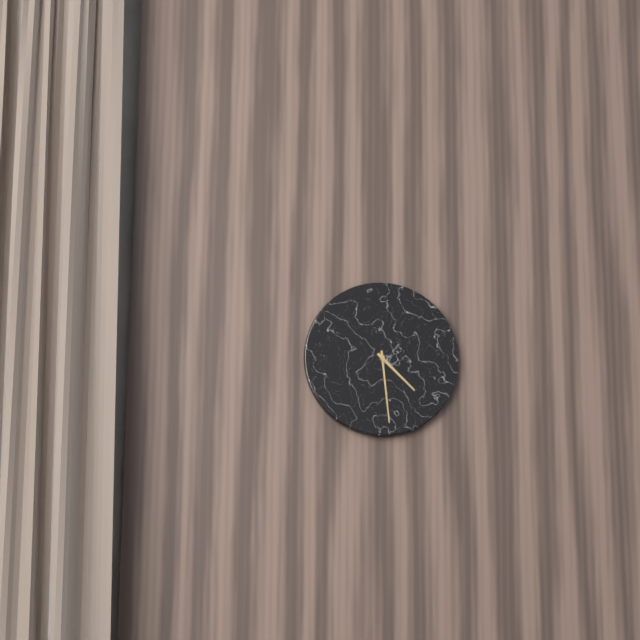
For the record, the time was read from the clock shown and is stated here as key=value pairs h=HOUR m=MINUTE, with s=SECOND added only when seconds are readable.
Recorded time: h=4 m=29
